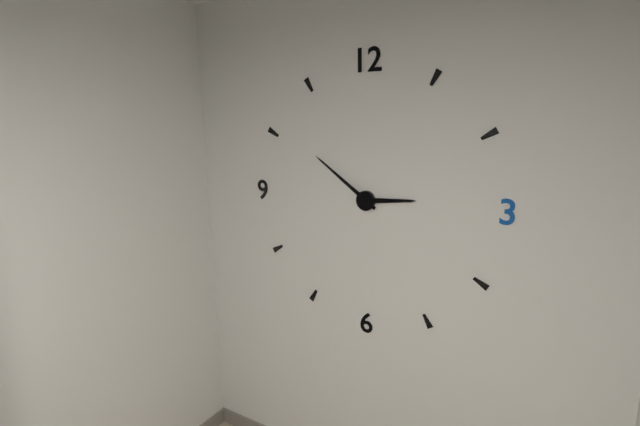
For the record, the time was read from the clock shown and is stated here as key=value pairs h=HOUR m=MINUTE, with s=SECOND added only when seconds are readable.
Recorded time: h=2 m=51
